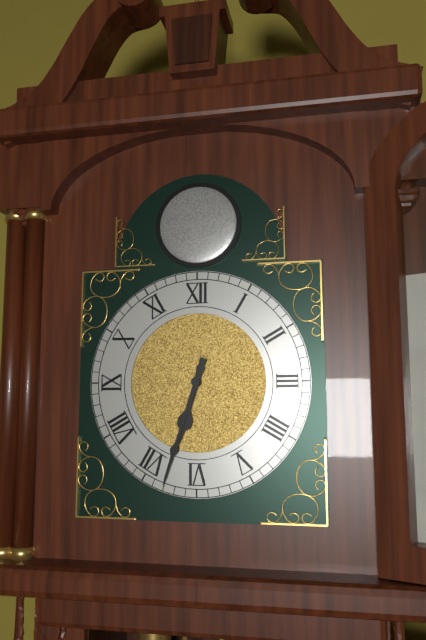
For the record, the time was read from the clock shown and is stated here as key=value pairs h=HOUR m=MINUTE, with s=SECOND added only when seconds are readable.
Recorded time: h=6 m=33
